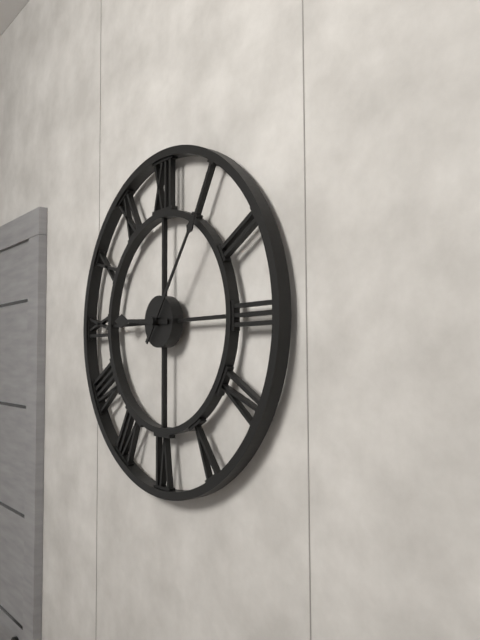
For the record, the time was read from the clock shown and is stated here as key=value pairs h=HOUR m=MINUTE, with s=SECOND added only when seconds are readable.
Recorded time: h=9 m=6
